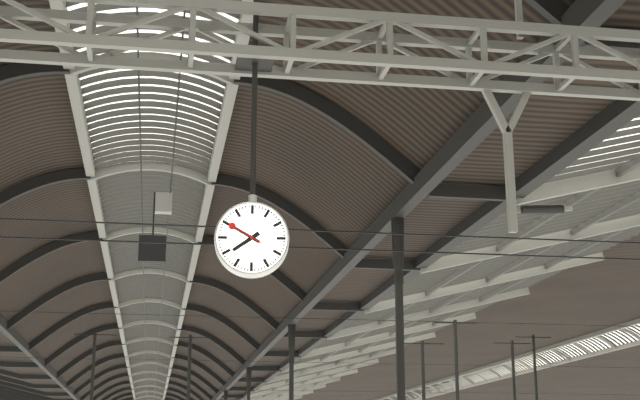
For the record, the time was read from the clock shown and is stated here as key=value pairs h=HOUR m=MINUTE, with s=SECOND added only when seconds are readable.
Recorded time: h=7 m=50
